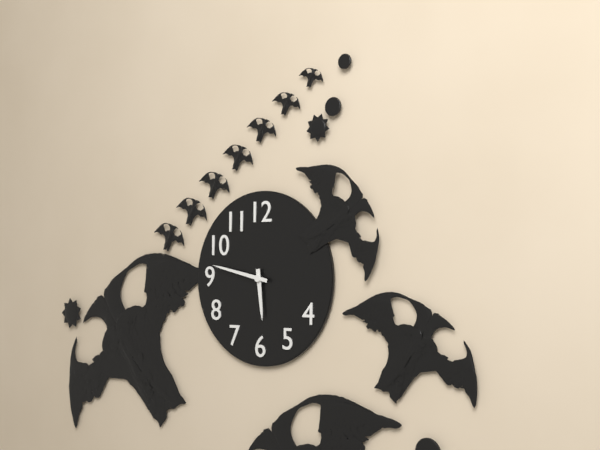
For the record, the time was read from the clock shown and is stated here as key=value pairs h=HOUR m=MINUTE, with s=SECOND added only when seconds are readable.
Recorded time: h=5 m=47
